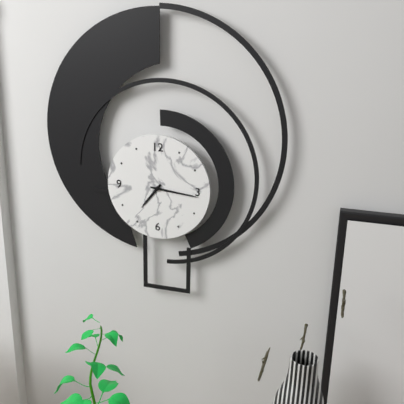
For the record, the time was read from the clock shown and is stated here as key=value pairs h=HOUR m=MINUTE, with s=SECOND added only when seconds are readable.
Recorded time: h=7 m=16
